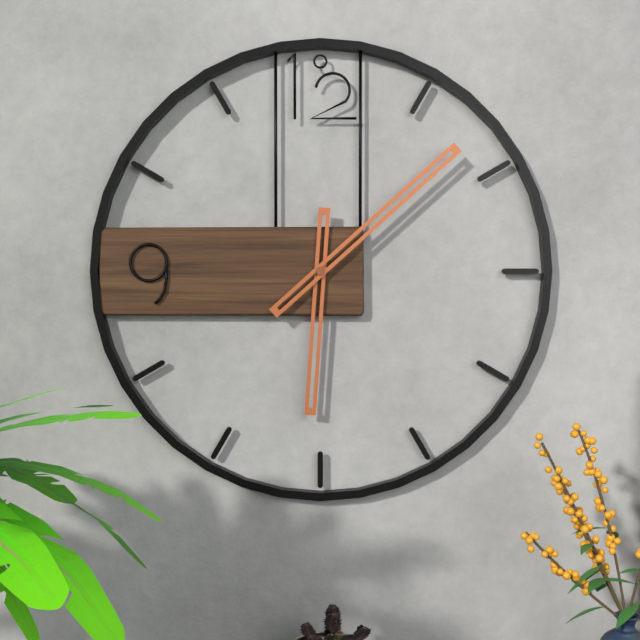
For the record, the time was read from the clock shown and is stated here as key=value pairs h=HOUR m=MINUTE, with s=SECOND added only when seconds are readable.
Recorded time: h=6 m=8
